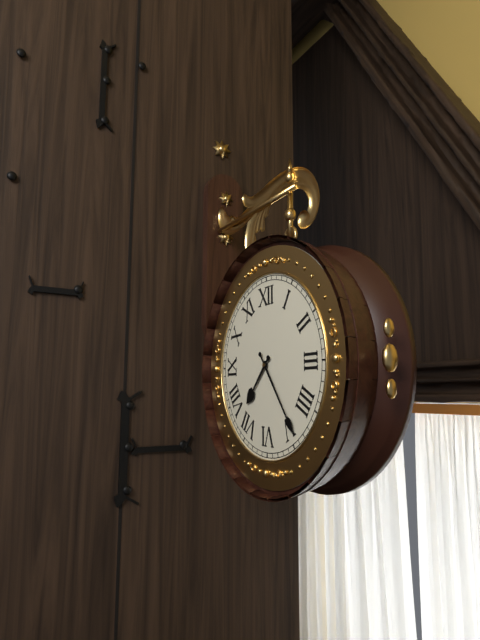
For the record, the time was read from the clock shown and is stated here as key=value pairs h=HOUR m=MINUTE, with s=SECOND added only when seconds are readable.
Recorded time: h=7 m=24
